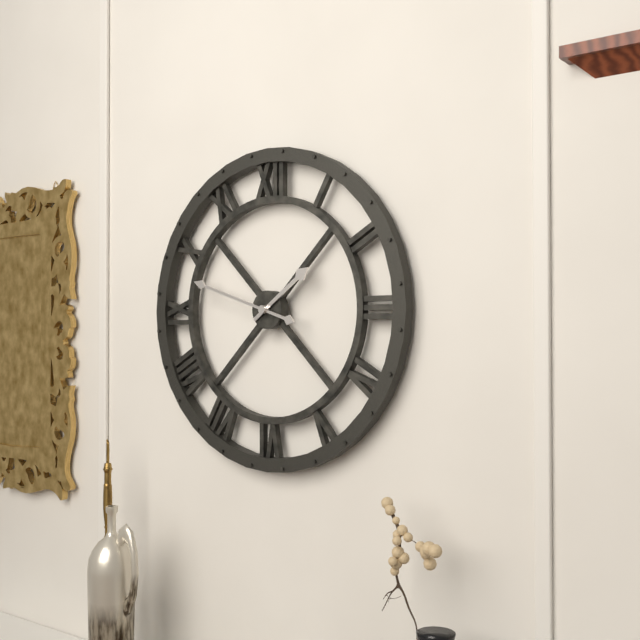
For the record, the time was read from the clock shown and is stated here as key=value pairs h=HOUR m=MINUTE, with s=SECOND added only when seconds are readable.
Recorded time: h=1 m=48
